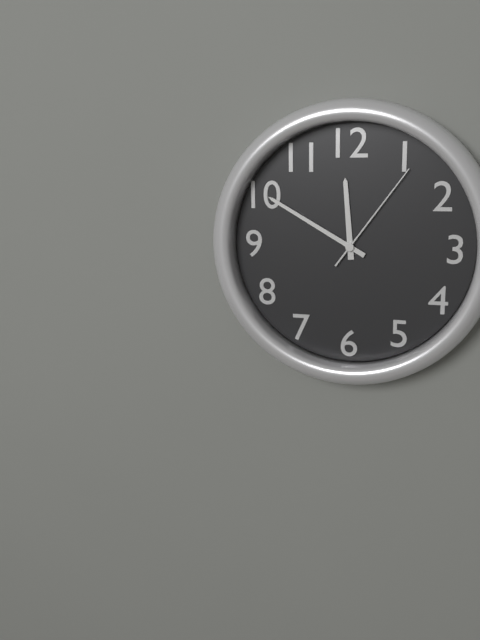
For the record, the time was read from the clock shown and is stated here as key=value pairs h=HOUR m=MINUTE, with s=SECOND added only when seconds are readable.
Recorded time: h=11 m=50 s=6
